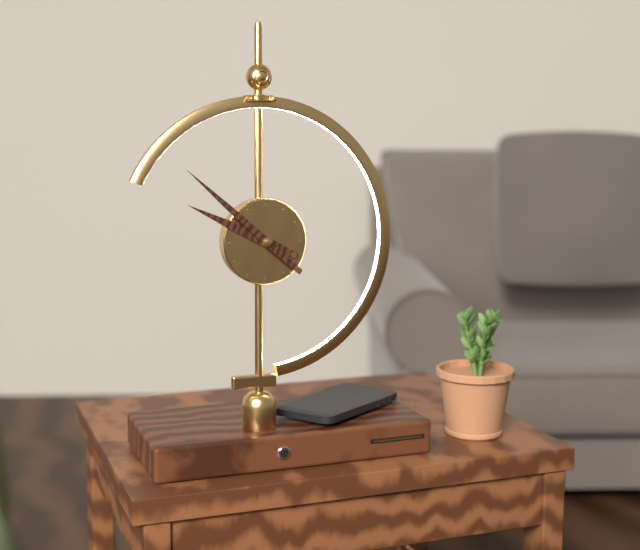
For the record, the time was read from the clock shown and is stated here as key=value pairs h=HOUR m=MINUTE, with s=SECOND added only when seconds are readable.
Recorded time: h=9 m=52
